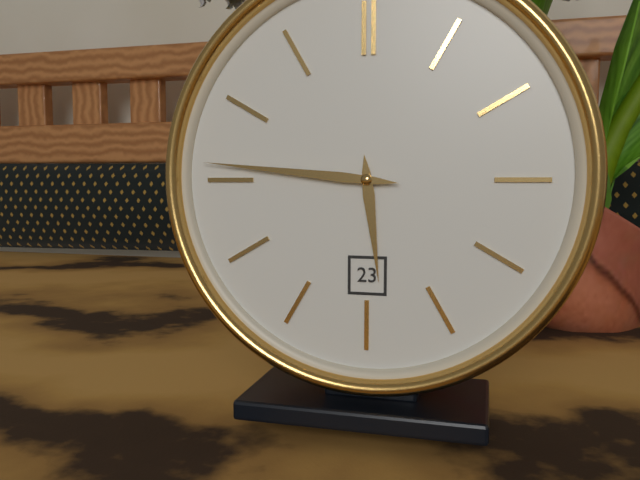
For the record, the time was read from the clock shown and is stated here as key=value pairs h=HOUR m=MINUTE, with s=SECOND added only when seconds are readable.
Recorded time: h=5 m=46
